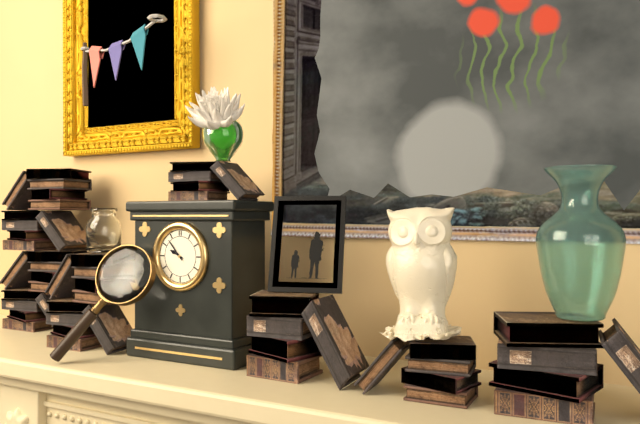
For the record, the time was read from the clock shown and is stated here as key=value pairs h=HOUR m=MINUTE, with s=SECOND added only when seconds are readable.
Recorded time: h=9 m=53
